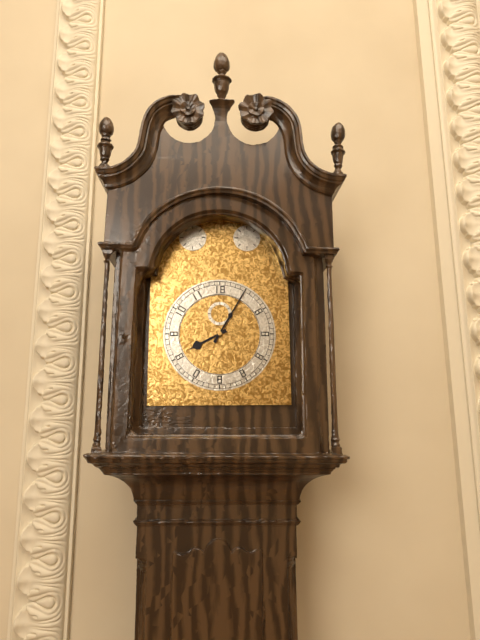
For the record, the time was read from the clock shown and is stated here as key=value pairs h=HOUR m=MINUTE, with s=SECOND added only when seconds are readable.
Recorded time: h=8 m=5
